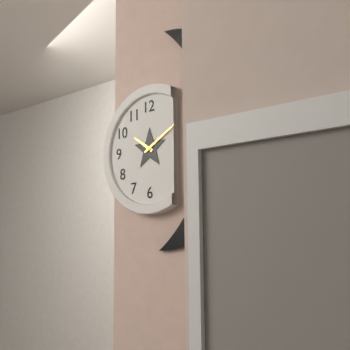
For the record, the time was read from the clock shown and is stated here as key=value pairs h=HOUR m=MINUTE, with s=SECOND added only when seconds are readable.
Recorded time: h=10 m=10
